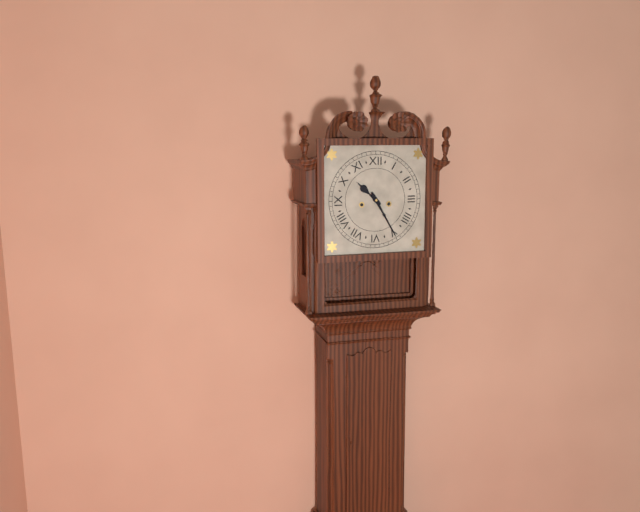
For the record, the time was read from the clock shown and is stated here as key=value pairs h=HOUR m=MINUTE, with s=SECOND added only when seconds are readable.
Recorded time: h=10 m=25
